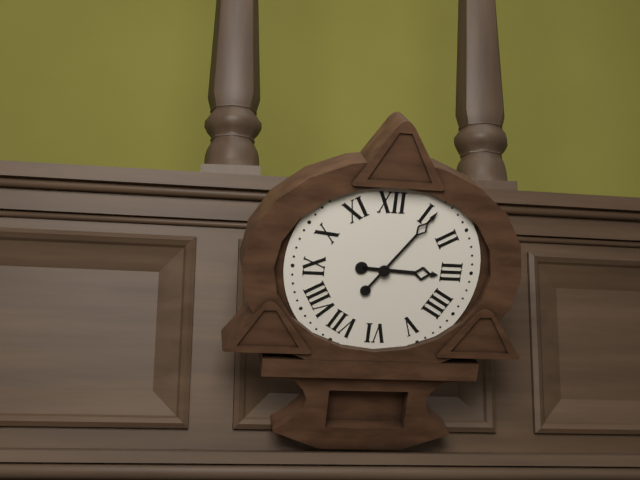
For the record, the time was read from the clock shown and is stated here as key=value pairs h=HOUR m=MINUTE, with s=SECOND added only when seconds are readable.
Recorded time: h=3 m=6
